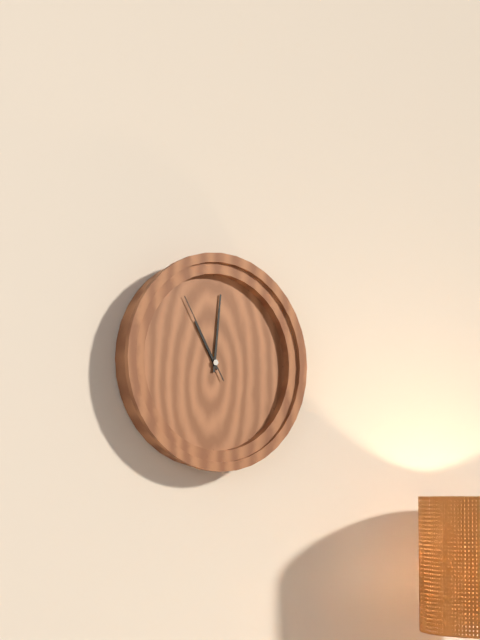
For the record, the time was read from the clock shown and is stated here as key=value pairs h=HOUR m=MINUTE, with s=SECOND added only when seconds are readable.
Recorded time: h=11 m=1 s=55
